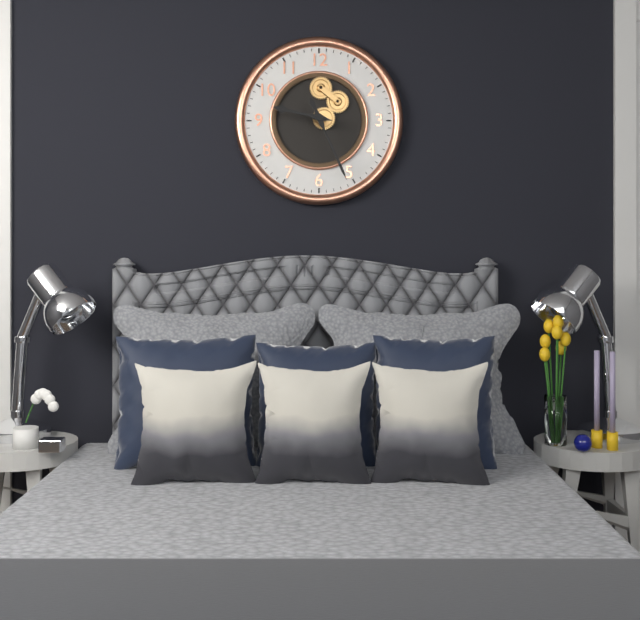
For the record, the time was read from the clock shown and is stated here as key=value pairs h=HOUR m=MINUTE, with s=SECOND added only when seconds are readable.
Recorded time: h=9 m=26
